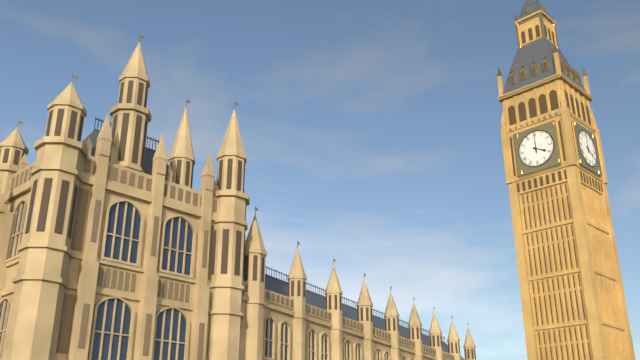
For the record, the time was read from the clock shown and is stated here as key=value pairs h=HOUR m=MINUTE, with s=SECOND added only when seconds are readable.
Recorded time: h=4 m=0
